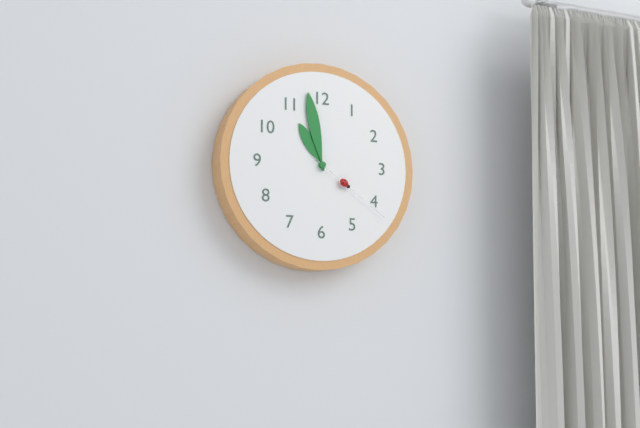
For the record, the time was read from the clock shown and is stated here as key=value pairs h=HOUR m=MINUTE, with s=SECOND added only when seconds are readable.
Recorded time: h=10 m=58 s=21
